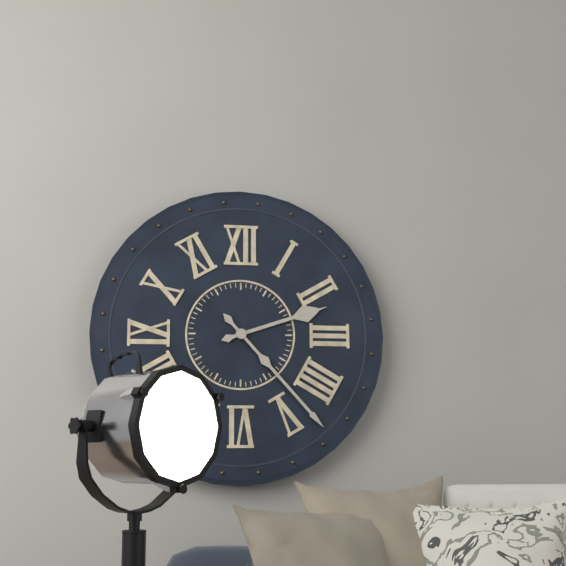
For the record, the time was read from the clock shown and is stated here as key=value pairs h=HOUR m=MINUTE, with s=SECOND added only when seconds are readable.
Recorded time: h=2 m=23
